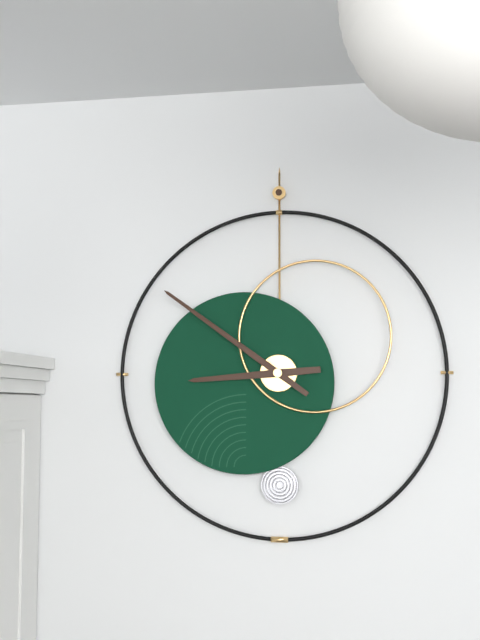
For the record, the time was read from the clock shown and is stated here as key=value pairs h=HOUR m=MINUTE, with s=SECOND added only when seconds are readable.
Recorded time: h=8 m=51
